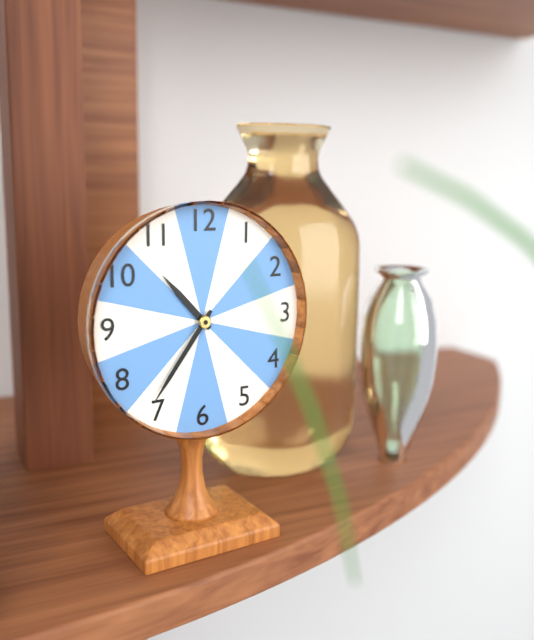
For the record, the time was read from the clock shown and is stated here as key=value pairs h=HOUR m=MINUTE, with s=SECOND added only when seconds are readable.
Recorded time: h=10 m=36
